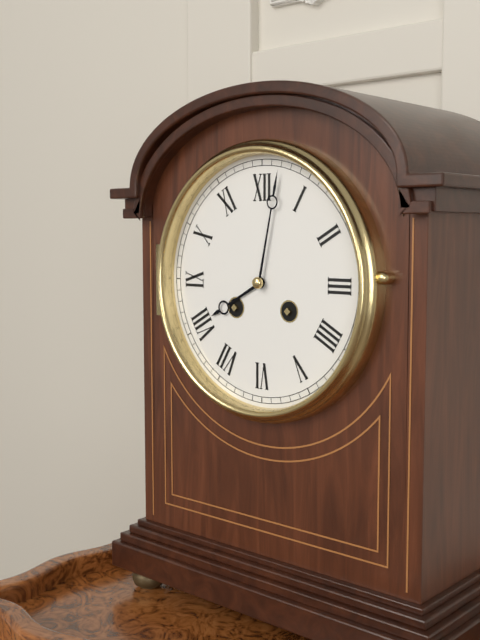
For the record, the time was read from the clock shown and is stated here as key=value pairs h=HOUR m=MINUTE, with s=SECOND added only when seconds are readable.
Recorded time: h=8 m=2
